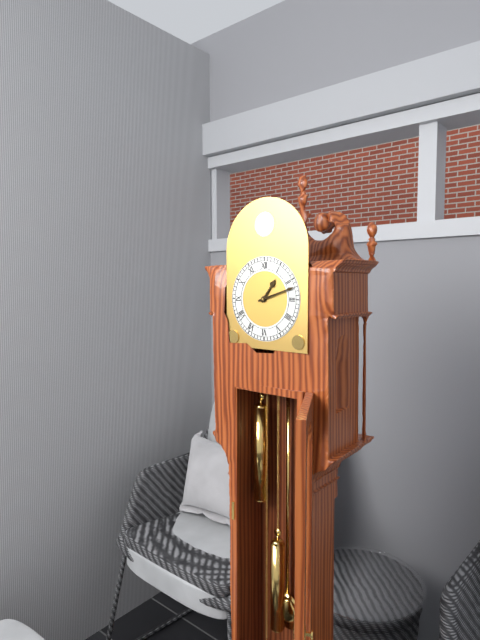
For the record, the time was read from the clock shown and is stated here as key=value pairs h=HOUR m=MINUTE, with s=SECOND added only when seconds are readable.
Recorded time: h=1 m=12
